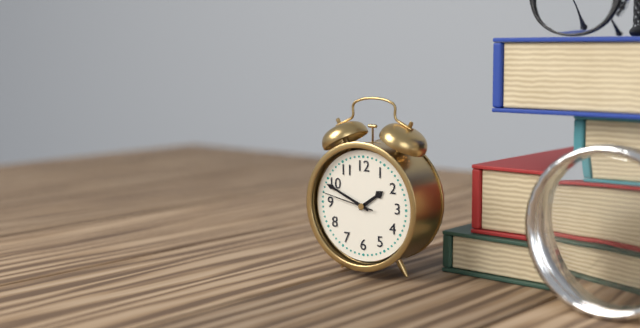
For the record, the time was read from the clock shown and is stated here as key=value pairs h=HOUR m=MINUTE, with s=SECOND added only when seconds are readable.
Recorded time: h=1 m=49 s=47
